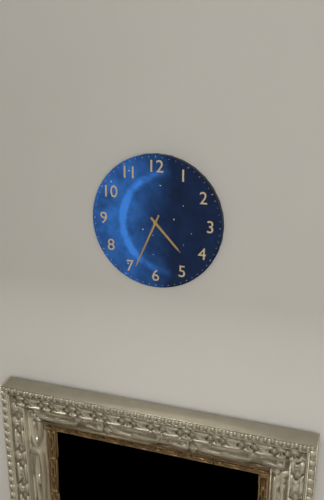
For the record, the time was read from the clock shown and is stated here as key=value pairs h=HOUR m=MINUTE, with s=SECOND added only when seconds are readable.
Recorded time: h=4 m=34
